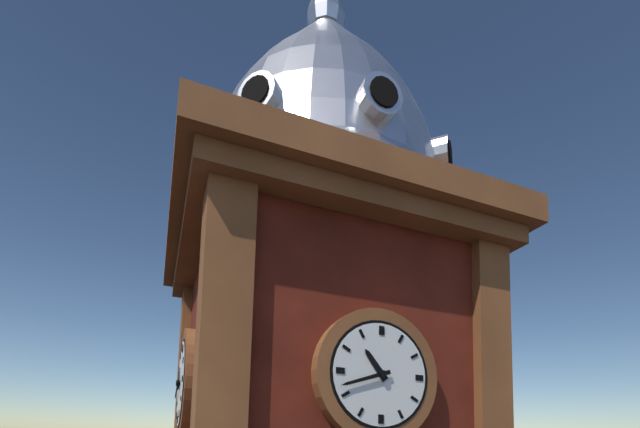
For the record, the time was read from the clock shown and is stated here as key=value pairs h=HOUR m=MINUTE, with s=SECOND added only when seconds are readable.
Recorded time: h=10 m=42
